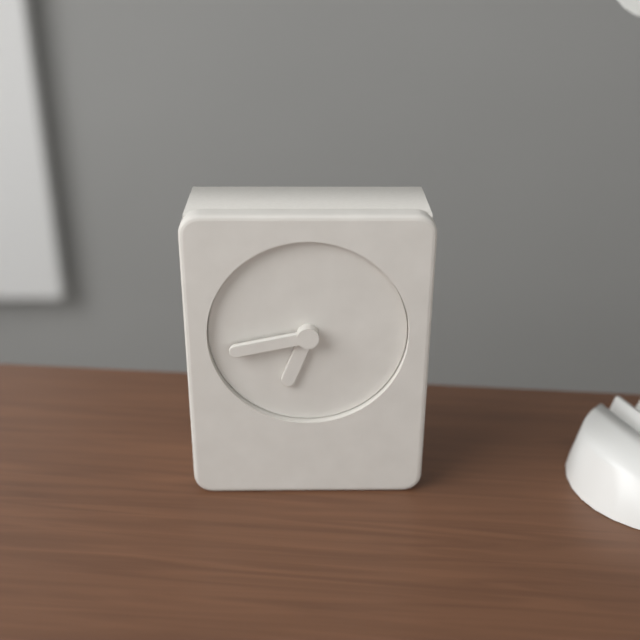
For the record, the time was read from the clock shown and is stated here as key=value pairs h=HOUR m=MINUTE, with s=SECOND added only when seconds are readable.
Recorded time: h=6 m=43
